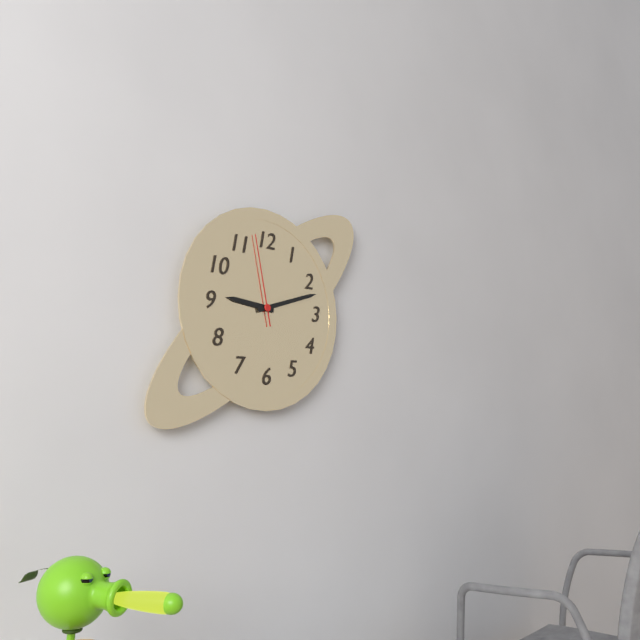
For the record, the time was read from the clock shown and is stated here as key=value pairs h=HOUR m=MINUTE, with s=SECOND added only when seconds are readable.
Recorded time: h=9 m=12 s=58
